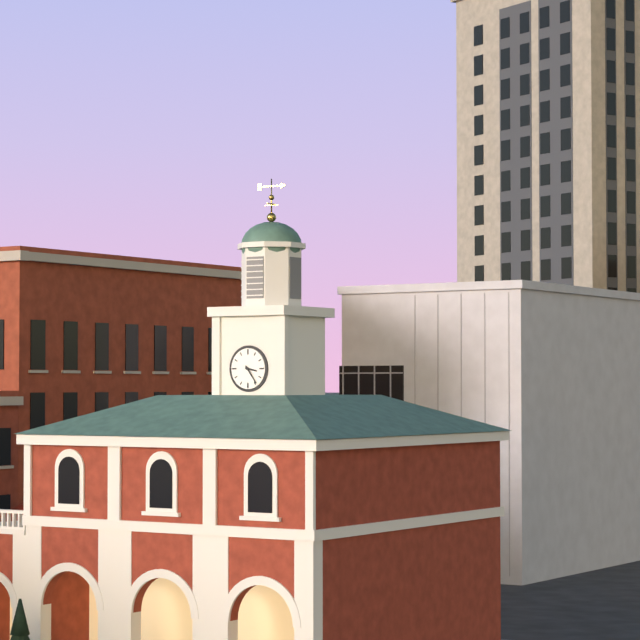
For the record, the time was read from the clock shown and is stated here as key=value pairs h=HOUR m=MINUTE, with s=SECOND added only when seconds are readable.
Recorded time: h=3 m=24
